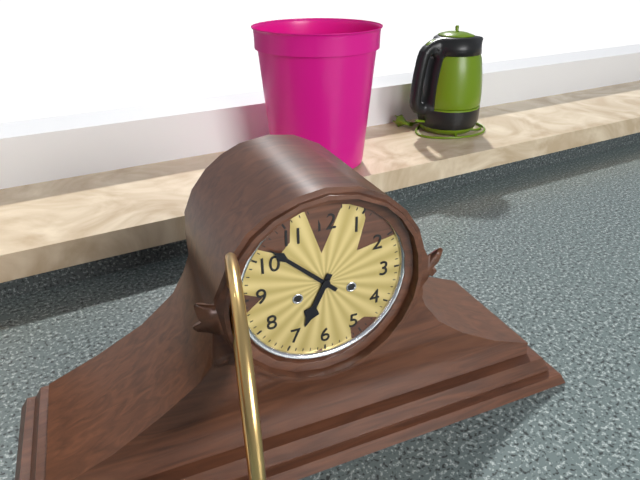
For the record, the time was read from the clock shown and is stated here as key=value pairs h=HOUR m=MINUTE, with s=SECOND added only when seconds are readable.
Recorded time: h=6 m=52
